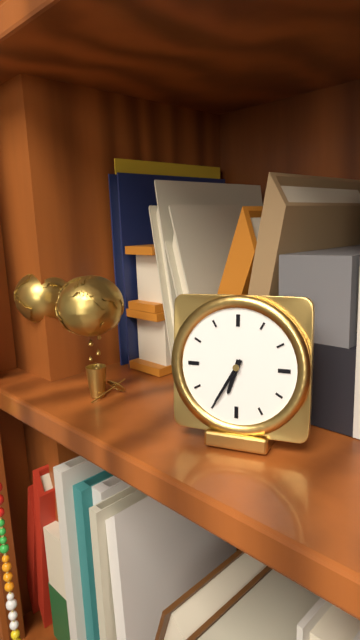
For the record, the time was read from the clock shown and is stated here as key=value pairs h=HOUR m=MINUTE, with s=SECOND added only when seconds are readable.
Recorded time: h=6 m=35
